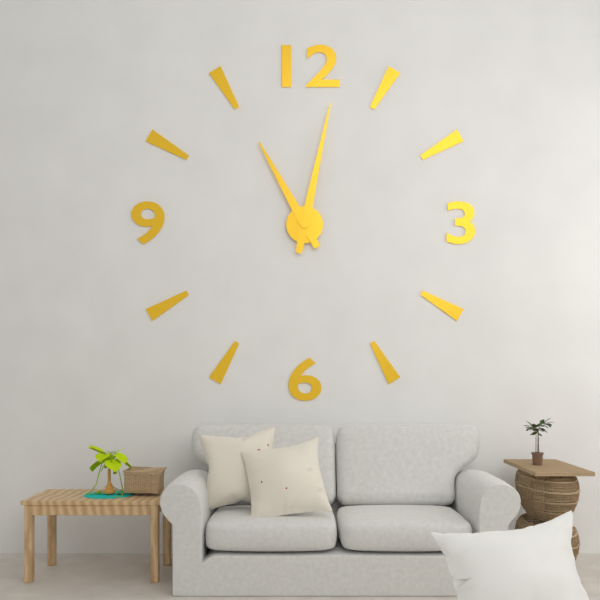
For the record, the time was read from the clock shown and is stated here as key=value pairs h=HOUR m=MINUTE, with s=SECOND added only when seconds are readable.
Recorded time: h=11 m=2
